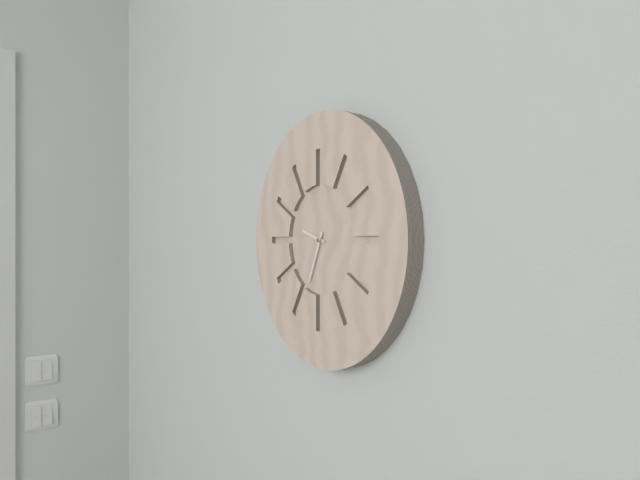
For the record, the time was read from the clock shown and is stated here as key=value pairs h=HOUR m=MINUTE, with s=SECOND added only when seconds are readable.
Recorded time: h=9 m=34
